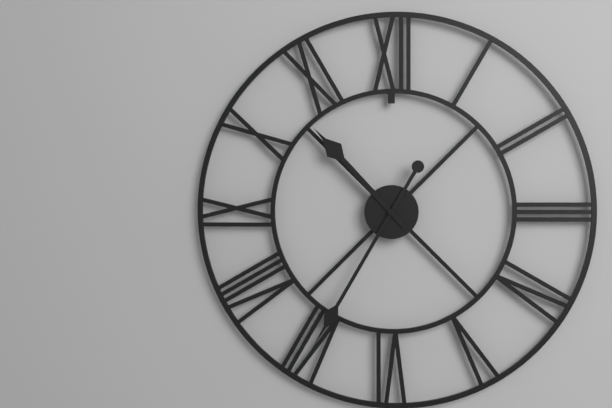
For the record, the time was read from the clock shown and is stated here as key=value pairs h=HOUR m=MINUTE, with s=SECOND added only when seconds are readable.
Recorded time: h=10 m=35
